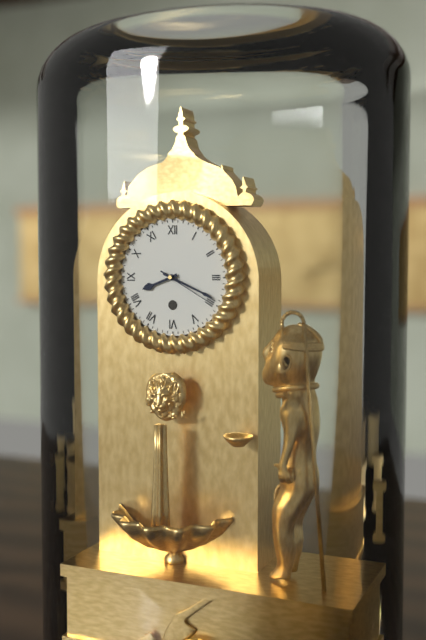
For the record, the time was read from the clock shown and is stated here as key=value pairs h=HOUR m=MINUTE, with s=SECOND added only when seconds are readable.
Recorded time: h=8 m=19 s=20
